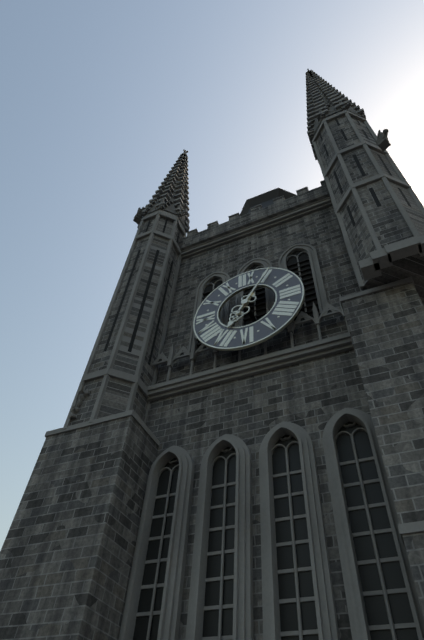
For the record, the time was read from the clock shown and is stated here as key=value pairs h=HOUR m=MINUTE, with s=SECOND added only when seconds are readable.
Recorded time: h=7 m=5
